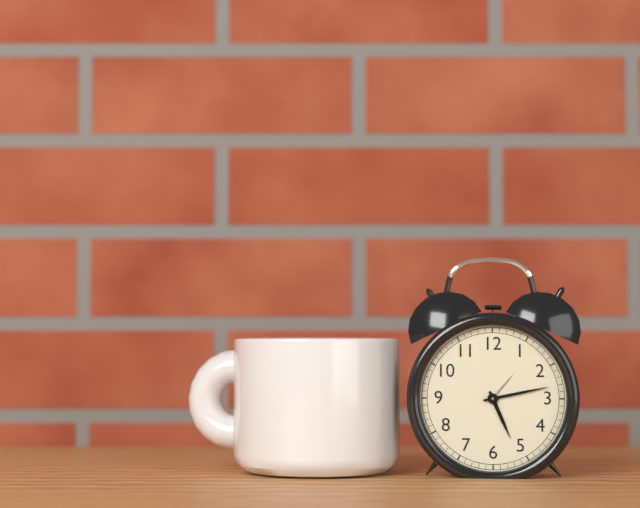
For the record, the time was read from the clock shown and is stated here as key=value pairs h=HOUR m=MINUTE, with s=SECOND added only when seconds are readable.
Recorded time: h=5 m=13
